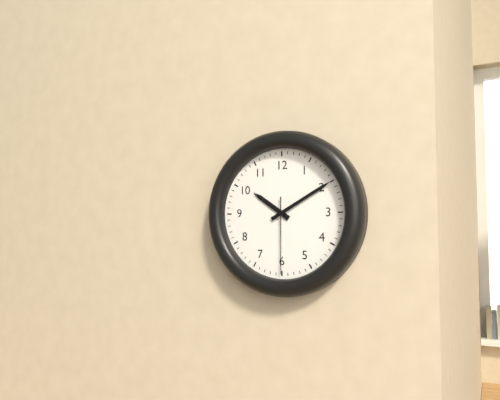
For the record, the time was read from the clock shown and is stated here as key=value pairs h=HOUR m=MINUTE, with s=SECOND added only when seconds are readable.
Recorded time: h=10 m=10 s=30
